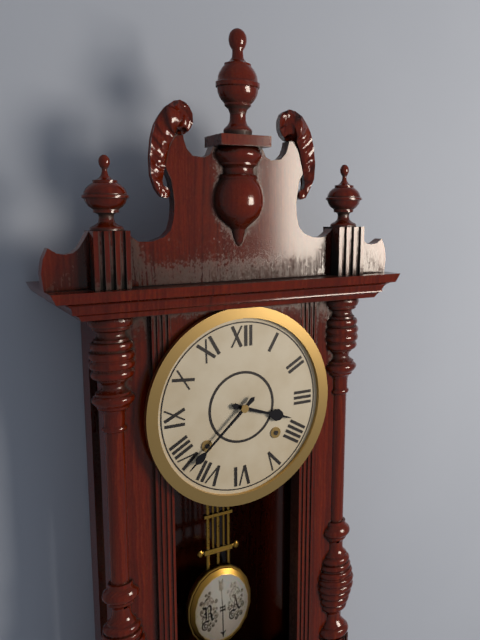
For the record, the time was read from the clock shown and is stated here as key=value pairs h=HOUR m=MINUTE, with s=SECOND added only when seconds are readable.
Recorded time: h=3 m=38
